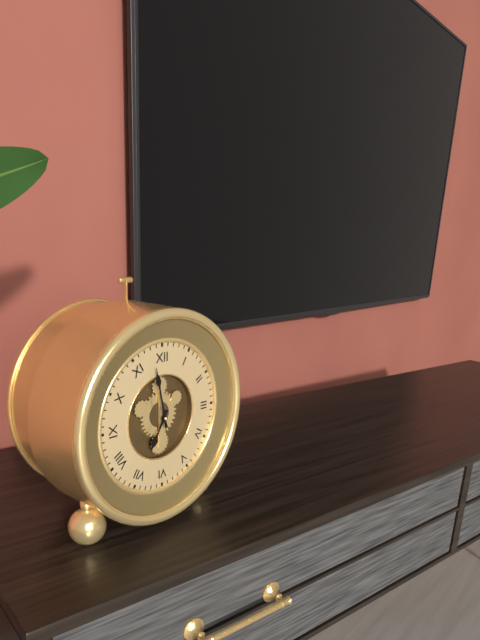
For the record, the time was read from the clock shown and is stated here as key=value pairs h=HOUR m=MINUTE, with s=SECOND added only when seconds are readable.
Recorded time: h=6 m=58
